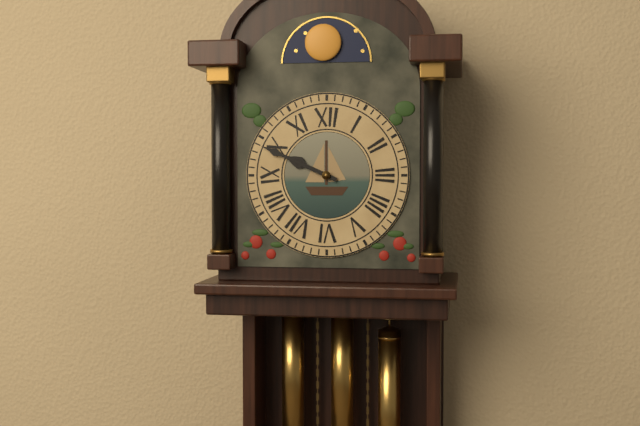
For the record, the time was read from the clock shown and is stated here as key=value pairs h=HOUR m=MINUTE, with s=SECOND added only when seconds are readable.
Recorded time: h=9 m=49
